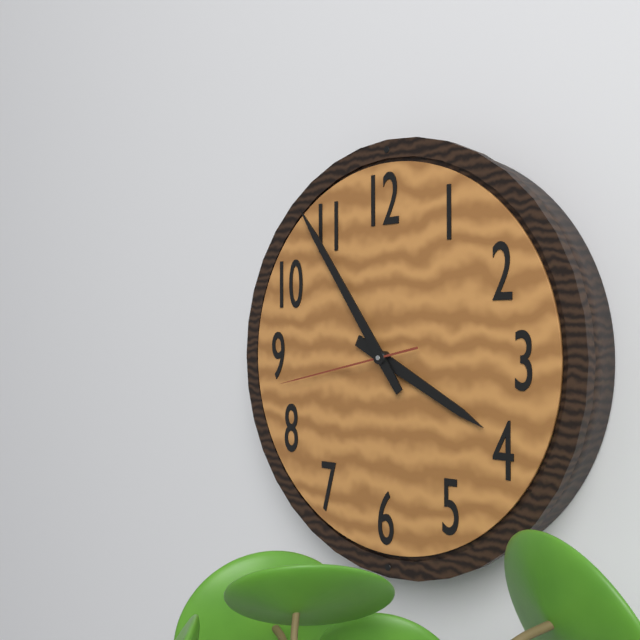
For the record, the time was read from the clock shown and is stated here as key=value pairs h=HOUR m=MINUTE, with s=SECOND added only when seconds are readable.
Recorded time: h=3 m=54 s=43
